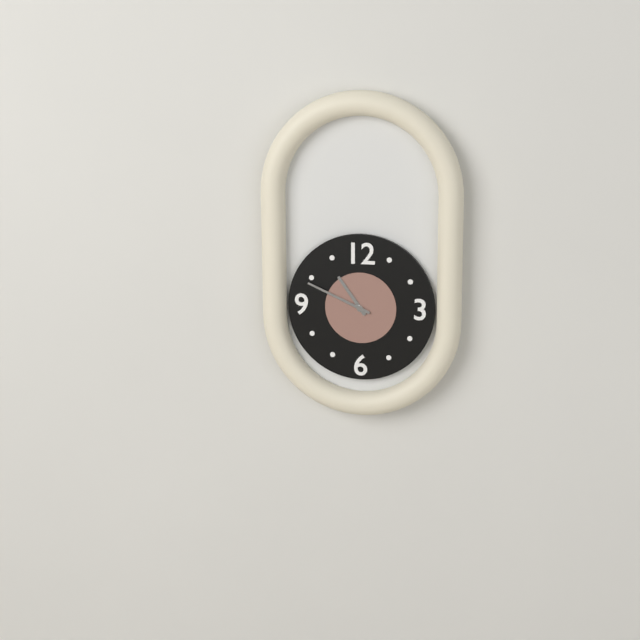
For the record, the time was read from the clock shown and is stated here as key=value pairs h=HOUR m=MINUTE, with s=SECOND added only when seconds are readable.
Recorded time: h=10 m=49
